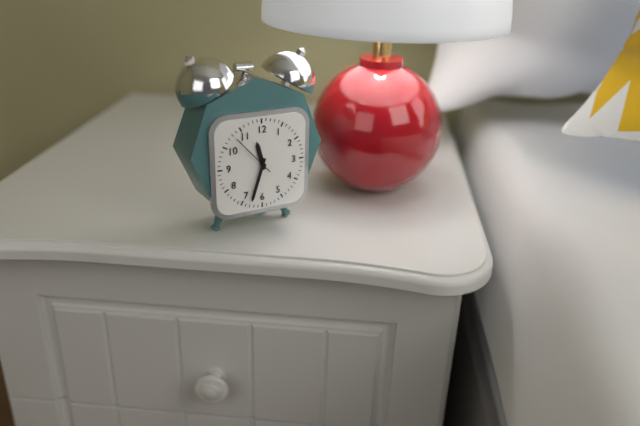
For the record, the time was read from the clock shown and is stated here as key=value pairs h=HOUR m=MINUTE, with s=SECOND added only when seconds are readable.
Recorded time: h=11 m=33
